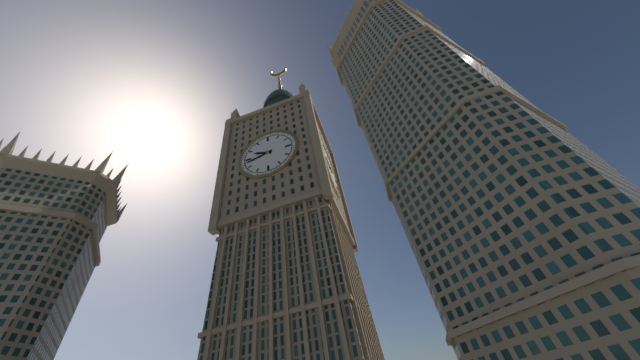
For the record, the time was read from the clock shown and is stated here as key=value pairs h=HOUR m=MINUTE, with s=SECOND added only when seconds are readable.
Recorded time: h=9 m=43
